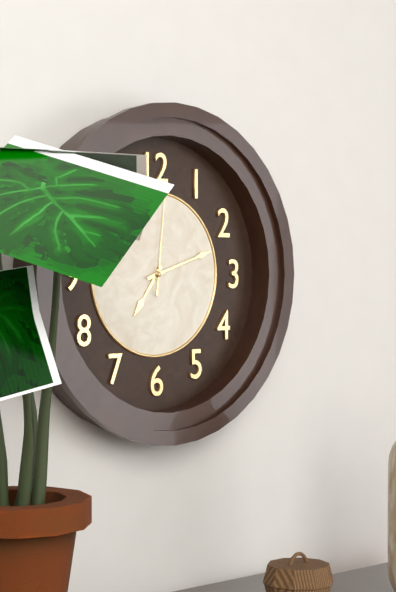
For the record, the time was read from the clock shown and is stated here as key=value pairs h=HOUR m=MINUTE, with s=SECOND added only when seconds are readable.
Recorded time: h=7 m=12 s=1
